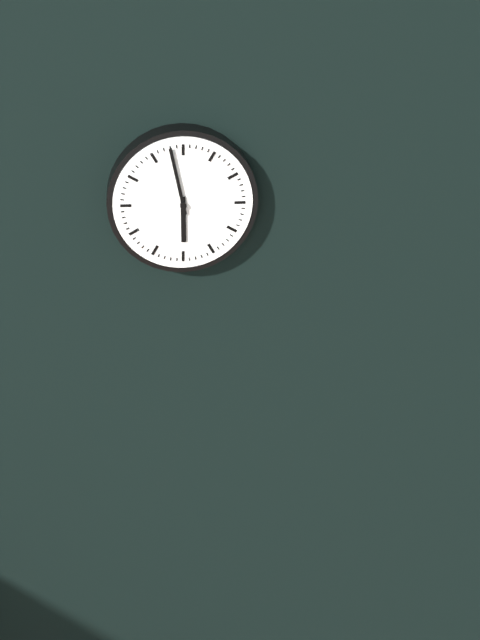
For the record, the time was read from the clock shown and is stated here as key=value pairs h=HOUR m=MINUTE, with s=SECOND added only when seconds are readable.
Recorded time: h=5 m=58
